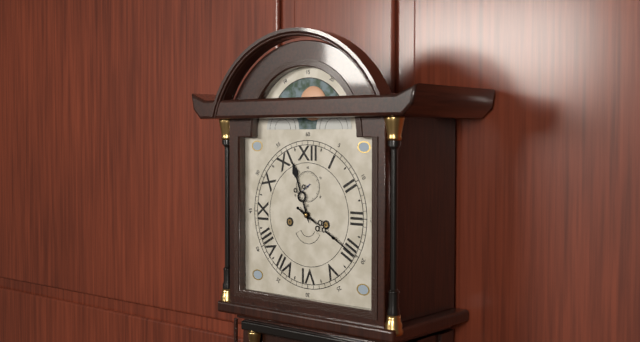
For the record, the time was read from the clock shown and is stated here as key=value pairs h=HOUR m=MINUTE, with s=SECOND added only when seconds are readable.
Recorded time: h=11 m=20
